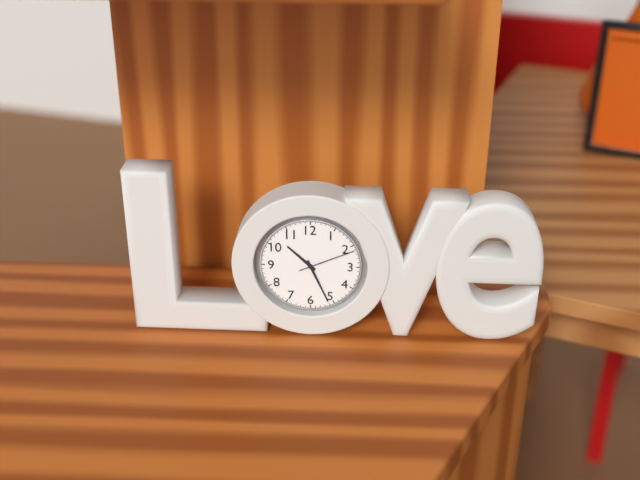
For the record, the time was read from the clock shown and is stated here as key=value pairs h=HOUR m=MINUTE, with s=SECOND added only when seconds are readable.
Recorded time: h=10 m=26 s=11
